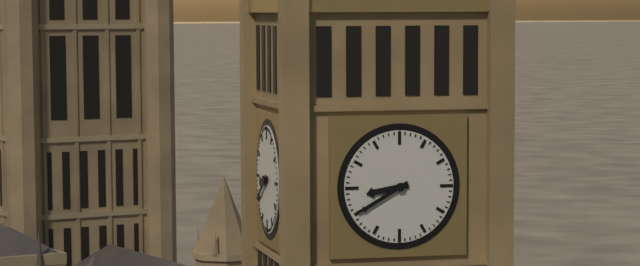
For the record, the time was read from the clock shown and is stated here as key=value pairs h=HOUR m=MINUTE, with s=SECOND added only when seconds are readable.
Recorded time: h=8 m=40
